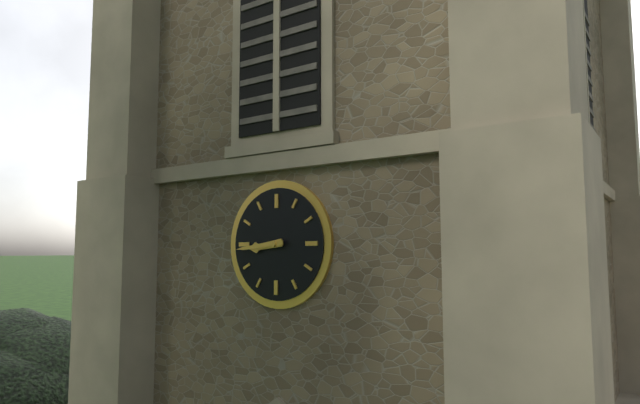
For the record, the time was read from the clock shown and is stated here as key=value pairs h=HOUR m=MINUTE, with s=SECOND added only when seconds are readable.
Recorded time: h=8 m=44
